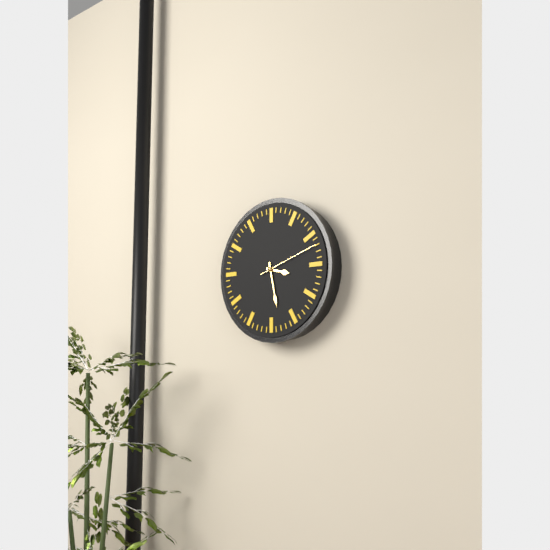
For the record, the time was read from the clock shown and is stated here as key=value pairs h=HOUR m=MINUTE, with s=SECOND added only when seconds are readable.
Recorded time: h=3 m=28 s=12
